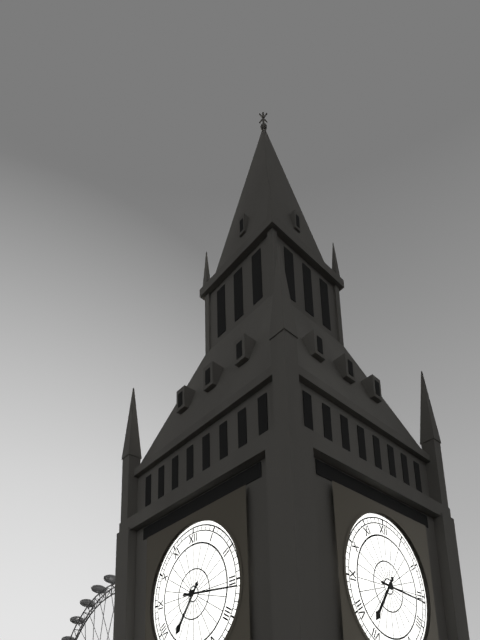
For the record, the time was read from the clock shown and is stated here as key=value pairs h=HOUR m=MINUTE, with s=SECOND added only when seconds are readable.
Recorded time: h=7 m=16
